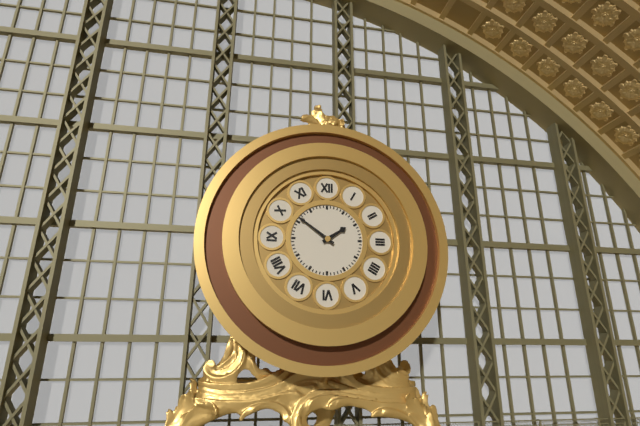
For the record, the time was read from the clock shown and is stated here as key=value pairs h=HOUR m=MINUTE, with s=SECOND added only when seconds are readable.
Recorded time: h=1 m=51
